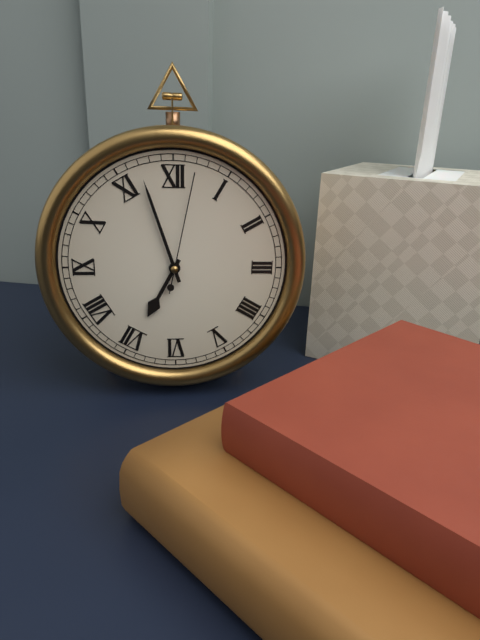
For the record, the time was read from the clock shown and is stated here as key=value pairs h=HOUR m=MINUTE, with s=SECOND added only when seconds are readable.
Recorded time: h=6 m=57 s=2
